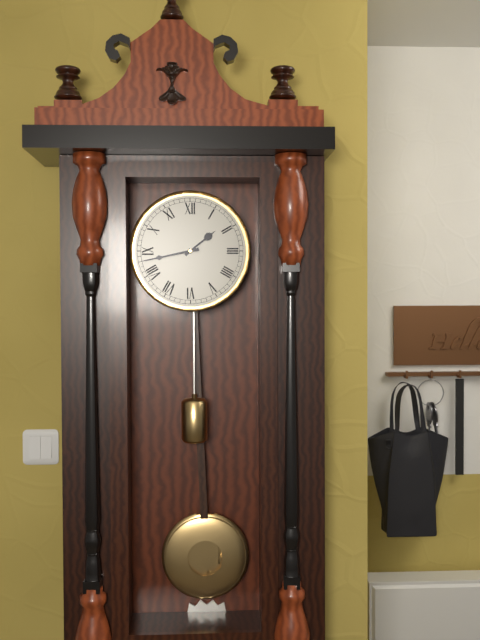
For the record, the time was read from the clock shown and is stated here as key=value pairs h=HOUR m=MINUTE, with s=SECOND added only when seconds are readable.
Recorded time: h=1 m=43
